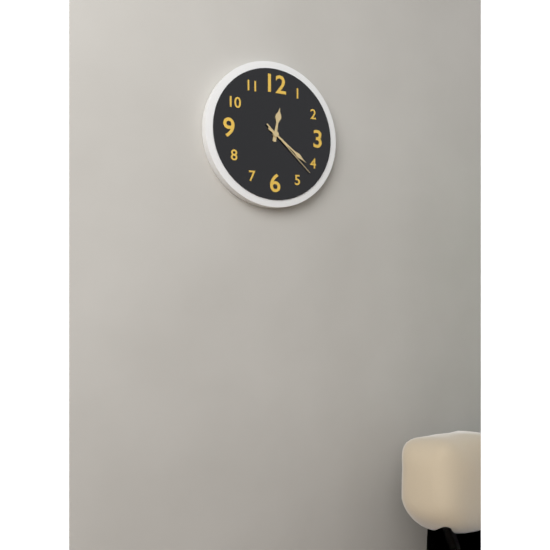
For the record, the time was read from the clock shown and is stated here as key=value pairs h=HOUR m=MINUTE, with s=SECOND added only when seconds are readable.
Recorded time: h=12 m=21 s=22
